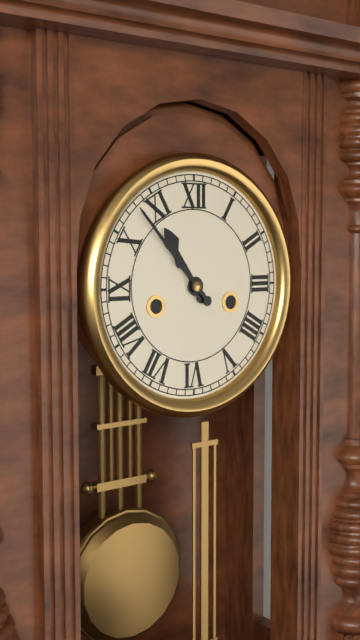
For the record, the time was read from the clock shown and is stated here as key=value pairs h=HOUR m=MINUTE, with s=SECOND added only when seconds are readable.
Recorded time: h=10 m=53
